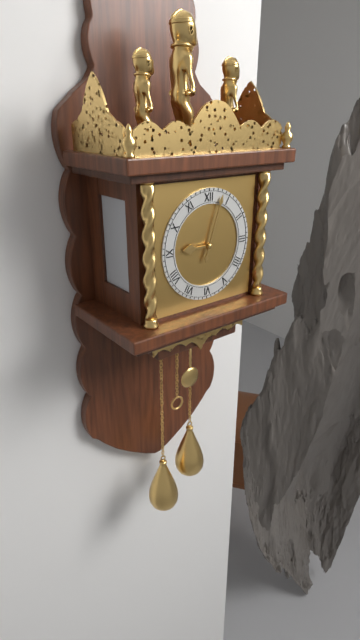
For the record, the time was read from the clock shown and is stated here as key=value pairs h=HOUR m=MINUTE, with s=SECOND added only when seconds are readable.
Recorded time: h=9 m=3
